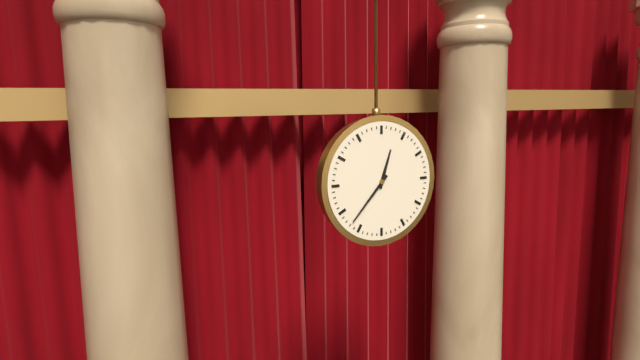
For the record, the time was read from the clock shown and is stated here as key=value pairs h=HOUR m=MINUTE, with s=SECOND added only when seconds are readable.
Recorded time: h=12 m=37
